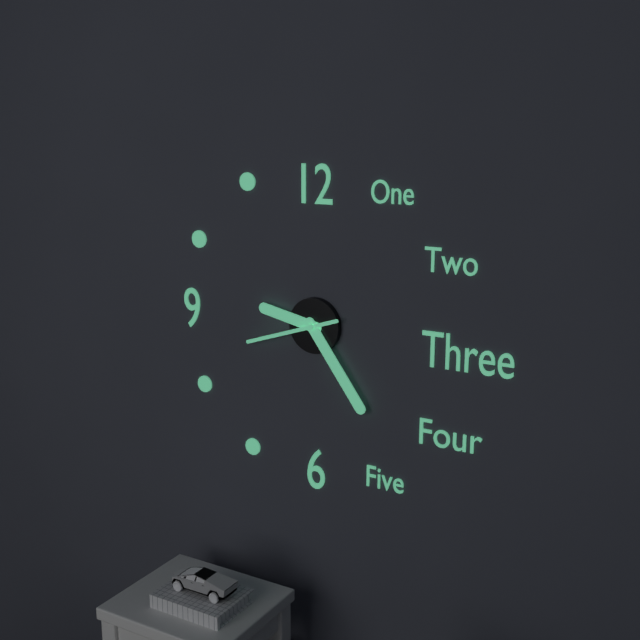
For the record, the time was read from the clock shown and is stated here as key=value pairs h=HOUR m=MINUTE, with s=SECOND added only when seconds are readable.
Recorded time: h=9 m=24 s=42
